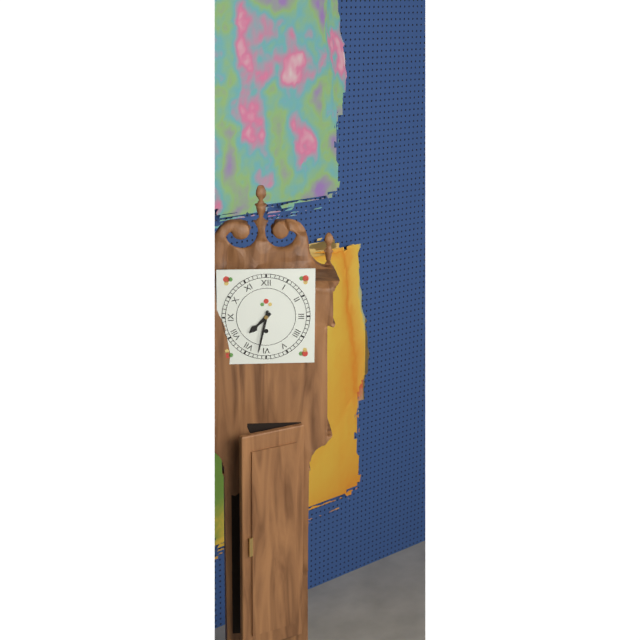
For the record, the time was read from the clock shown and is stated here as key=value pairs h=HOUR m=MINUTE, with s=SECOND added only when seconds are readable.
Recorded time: h=7 m=32
